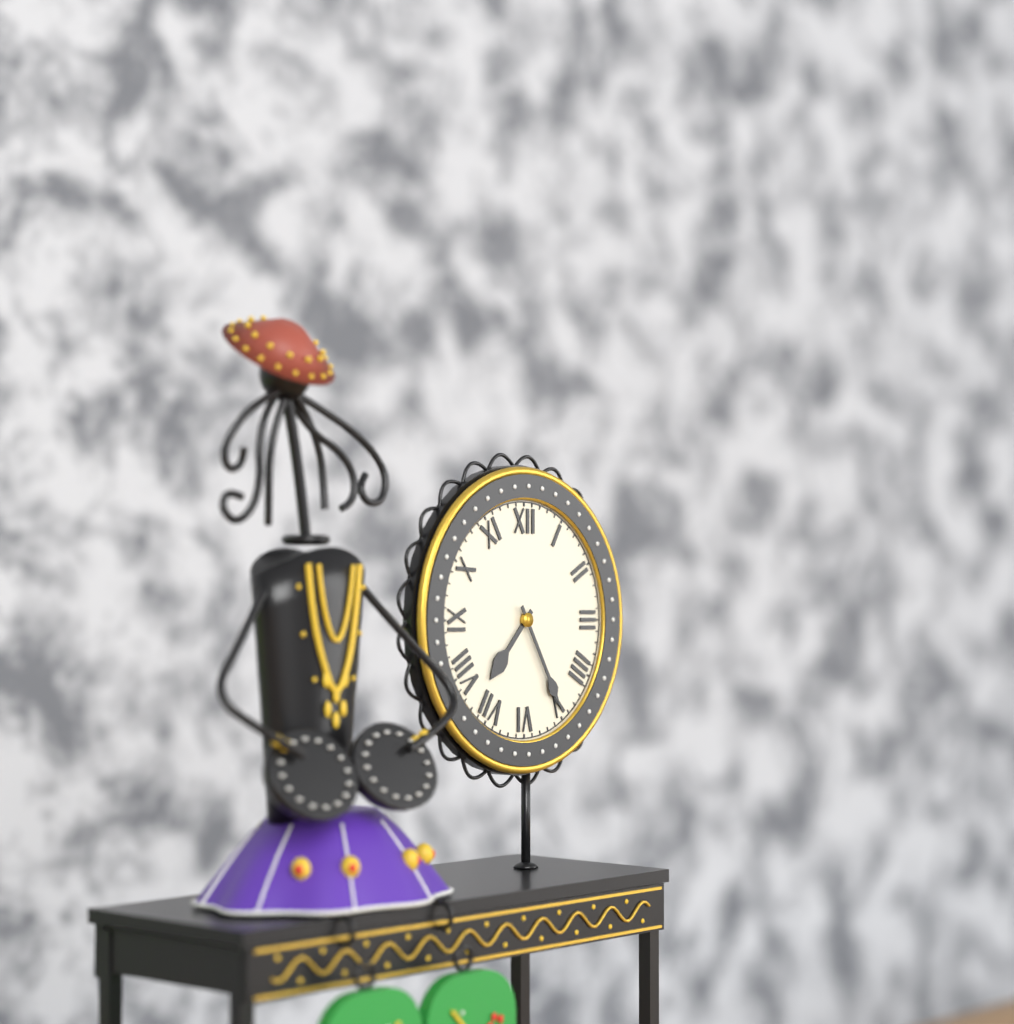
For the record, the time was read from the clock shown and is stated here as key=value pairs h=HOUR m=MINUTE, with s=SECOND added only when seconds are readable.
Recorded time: h=7 m=25
